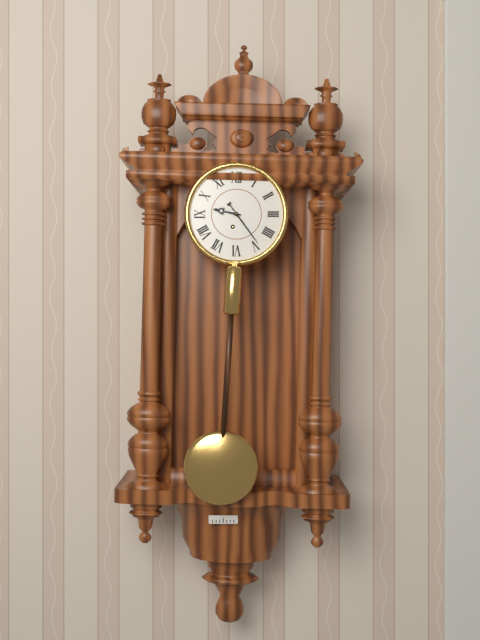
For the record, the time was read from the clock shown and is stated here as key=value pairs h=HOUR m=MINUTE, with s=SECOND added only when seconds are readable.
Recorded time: h=9 m=24
